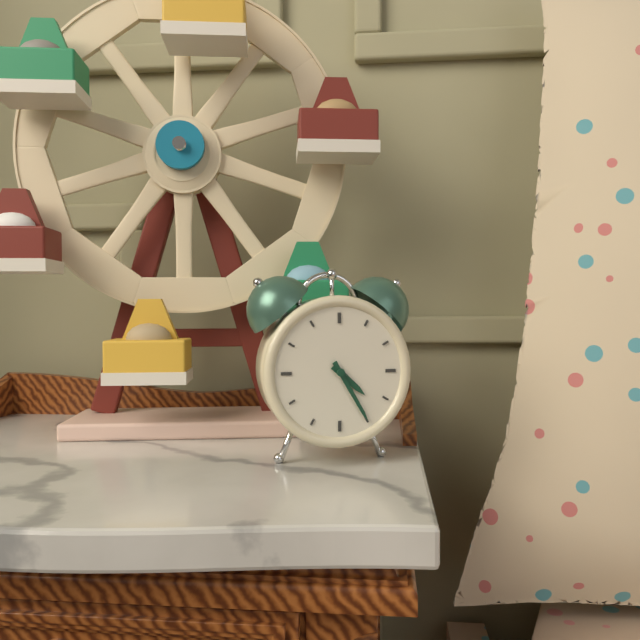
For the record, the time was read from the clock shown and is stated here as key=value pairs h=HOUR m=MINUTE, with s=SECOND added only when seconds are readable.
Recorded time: h=4 m=25
